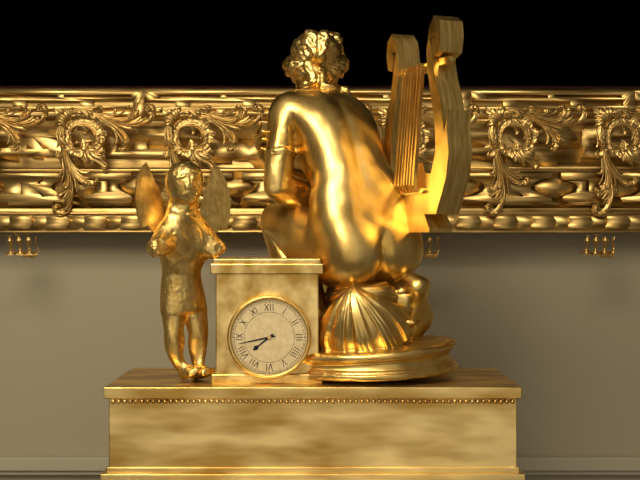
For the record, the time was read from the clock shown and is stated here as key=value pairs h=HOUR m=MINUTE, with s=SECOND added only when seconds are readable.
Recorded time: h=7 m=43
